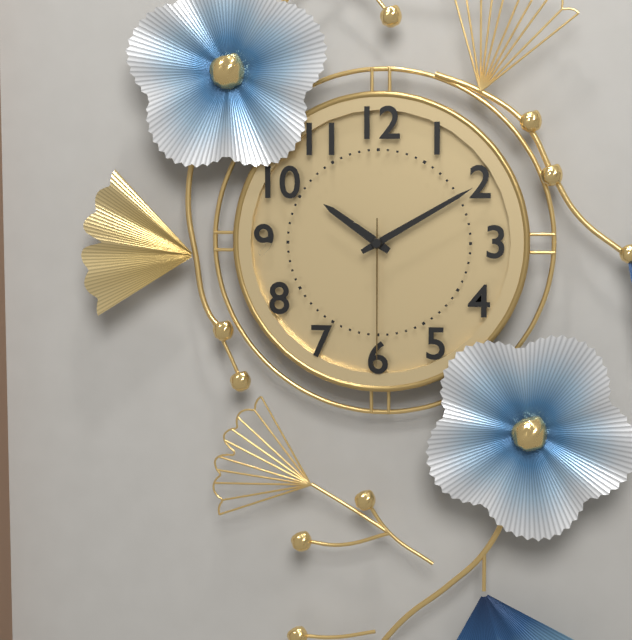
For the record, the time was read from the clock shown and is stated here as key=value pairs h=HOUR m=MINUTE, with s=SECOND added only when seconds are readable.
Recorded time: h=10 m=10 s=30
